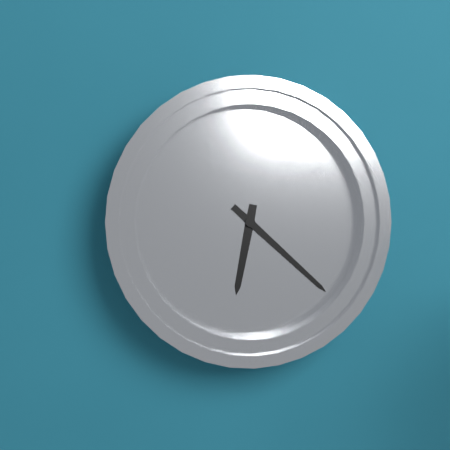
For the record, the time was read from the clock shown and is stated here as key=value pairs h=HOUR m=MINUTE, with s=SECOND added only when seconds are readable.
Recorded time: h=6 m=22
